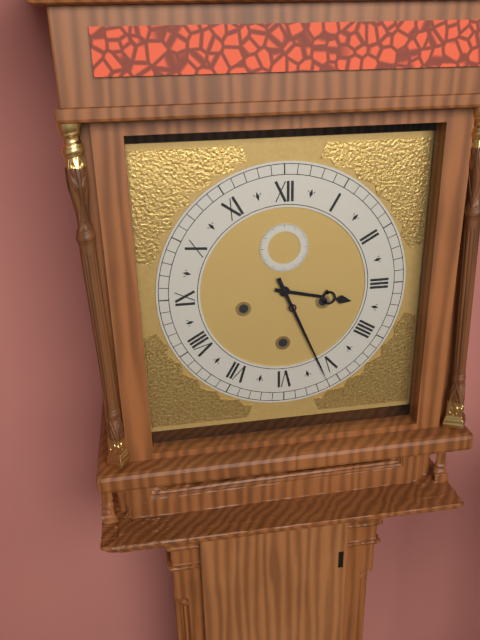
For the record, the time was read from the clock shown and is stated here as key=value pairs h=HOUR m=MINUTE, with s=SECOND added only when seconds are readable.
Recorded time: h=3 m=26
